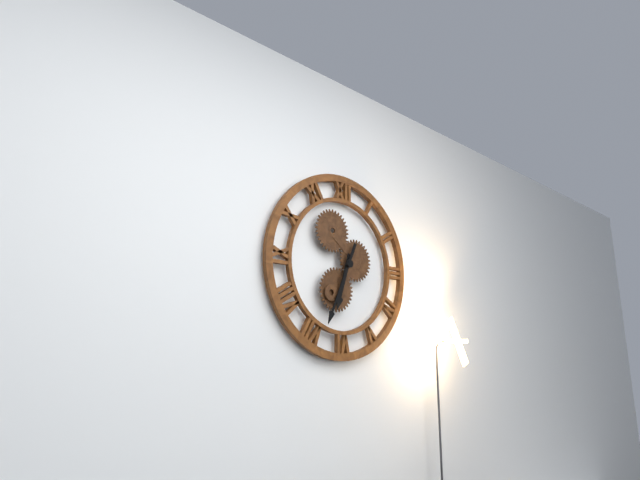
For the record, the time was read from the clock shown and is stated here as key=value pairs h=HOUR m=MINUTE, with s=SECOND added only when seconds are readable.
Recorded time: h=6 m=34
